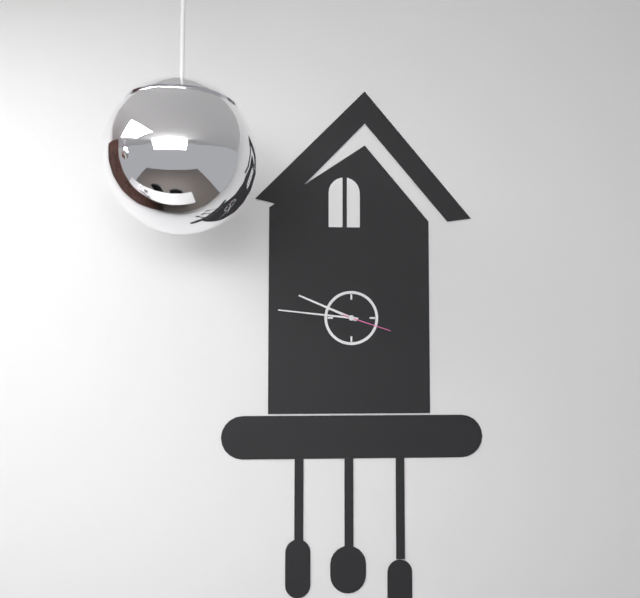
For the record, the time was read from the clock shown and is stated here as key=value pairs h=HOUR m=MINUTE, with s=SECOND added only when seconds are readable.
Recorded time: h=9 m=46 s=18
